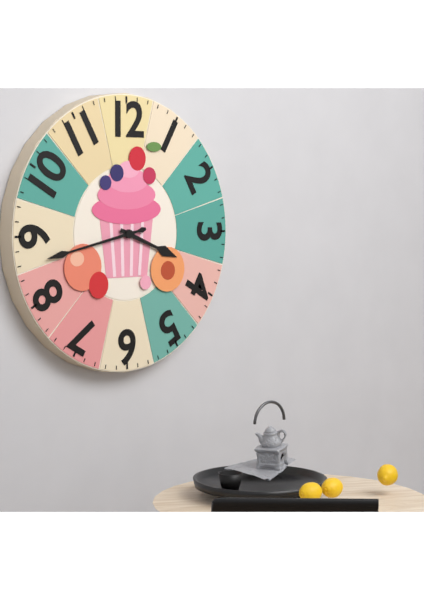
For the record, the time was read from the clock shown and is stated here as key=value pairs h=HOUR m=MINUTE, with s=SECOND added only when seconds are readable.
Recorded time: h=3 m=43
